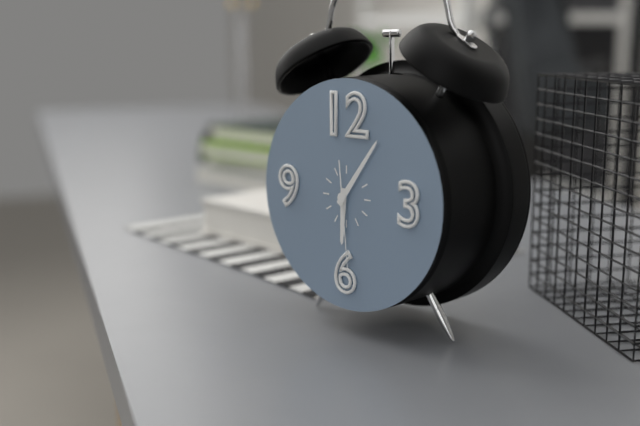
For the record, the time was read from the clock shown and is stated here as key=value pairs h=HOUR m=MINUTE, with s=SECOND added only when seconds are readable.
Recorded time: h=6 m=6 s=29
